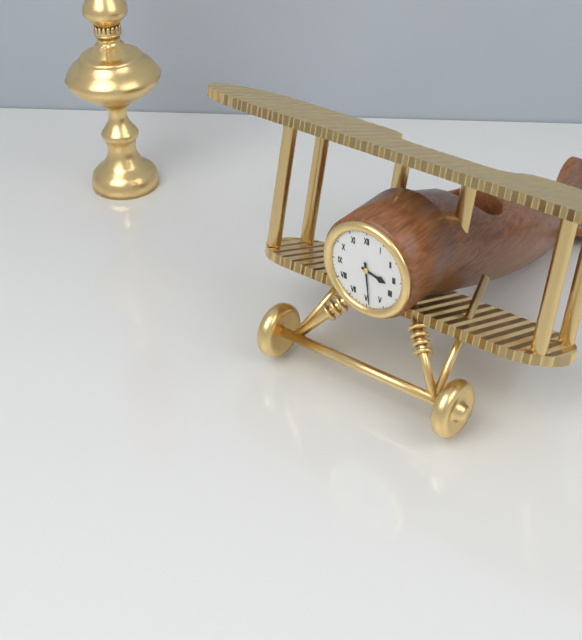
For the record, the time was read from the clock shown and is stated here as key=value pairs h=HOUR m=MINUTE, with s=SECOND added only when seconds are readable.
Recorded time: h=3 m=29
